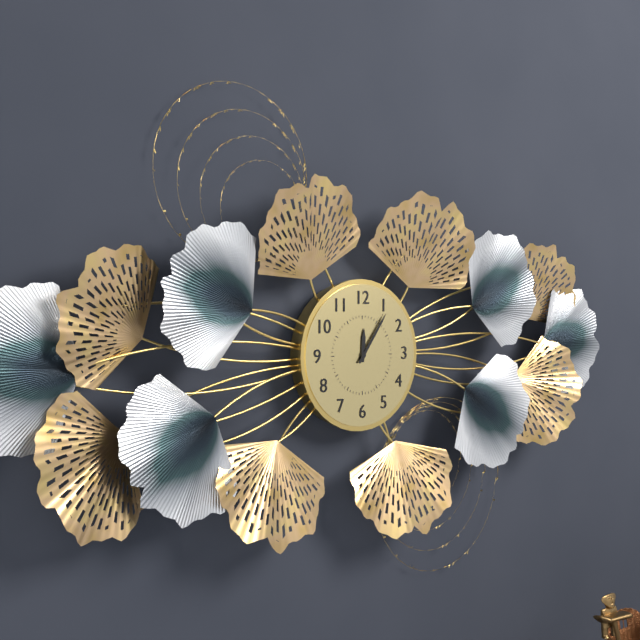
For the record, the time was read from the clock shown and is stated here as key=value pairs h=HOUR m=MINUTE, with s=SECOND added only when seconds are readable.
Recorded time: h=12 m=6
